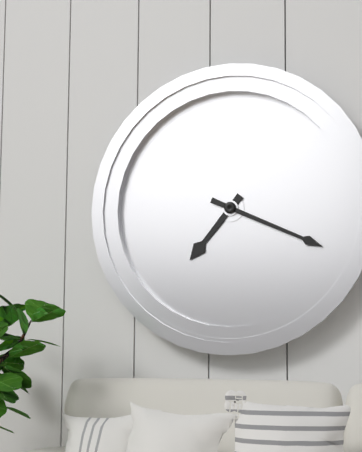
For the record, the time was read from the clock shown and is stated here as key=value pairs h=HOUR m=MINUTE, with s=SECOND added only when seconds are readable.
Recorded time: h=7 m=19
